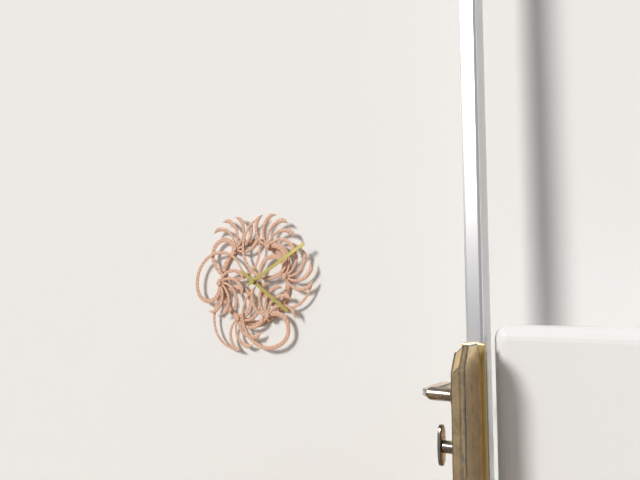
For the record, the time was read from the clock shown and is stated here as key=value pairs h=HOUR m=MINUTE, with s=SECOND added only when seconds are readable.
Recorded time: h=4 m=10
